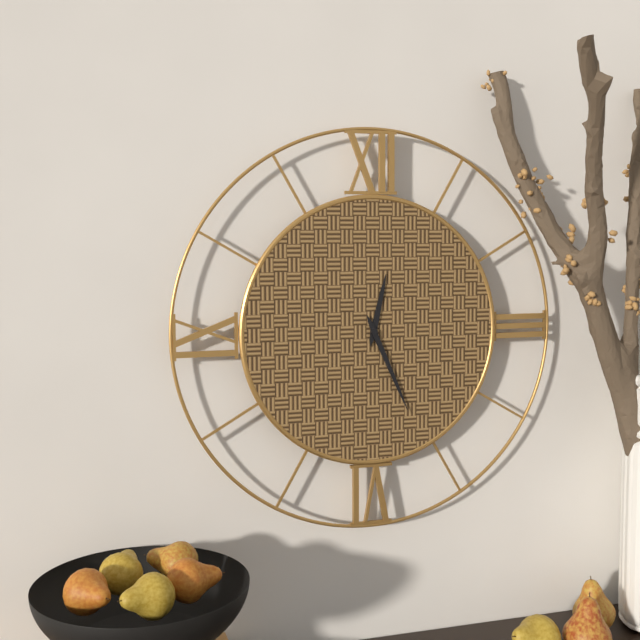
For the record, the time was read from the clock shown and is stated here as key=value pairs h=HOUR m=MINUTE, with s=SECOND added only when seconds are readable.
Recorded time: h=12 m=26
